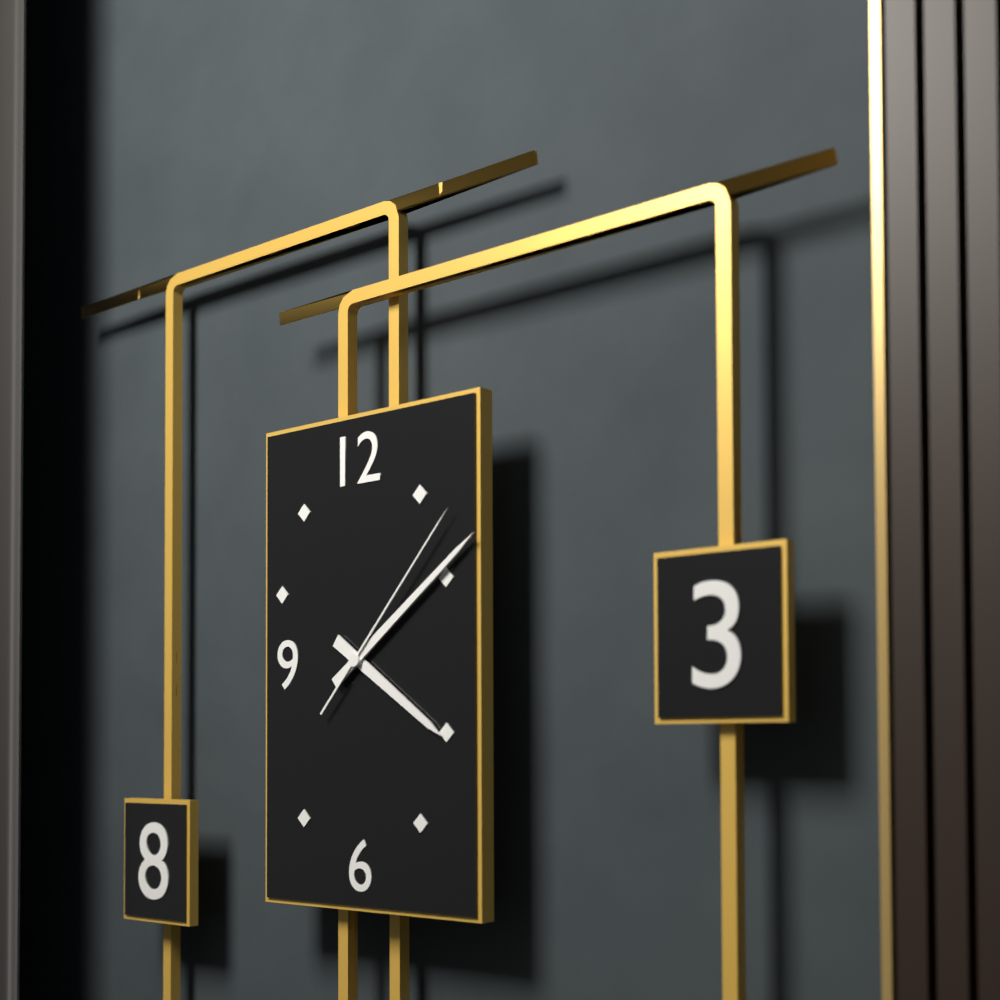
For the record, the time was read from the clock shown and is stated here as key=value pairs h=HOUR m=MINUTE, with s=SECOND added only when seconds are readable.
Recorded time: h=4 m=9 s=7
